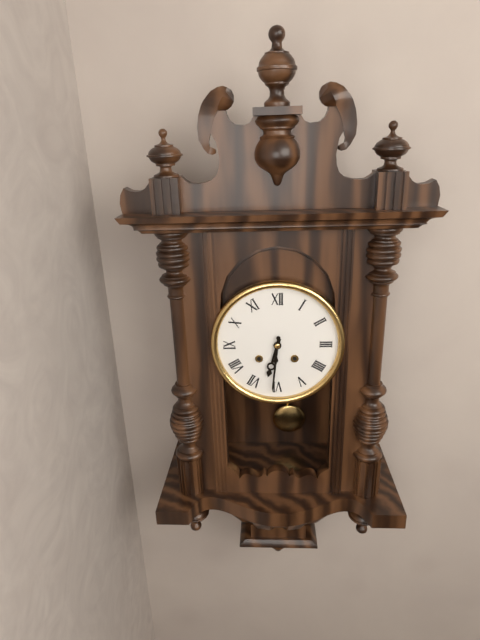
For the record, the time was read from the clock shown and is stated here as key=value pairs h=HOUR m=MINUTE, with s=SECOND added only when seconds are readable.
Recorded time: h=6 m=31
